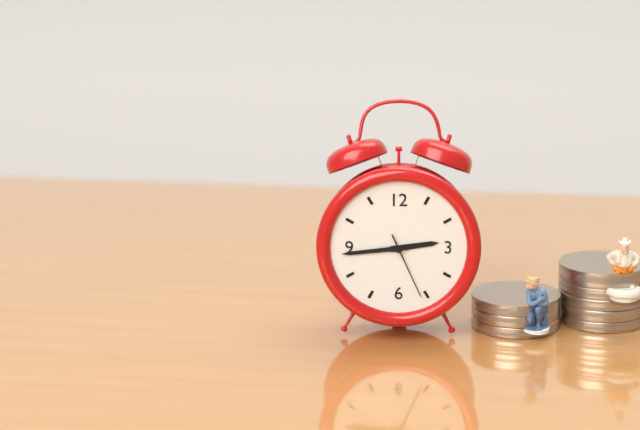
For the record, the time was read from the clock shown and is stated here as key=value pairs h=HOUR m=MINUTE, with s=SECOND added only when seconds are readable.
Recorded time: h=2 m=44 s=26
